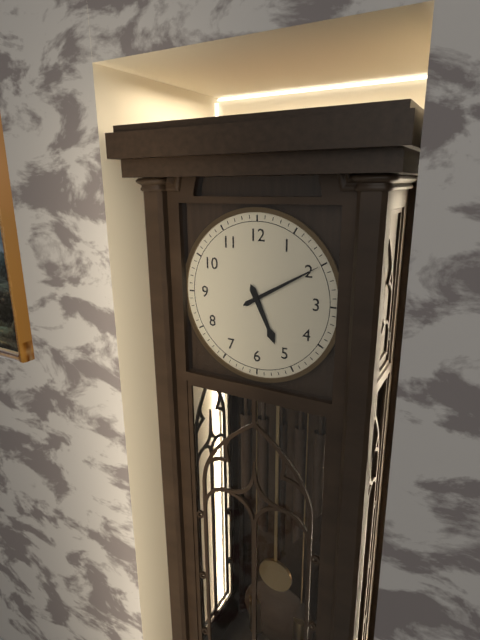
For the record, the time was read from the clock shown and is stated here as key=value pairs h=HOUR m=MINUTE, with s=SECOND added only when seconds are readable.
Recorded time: h=5 m=10
